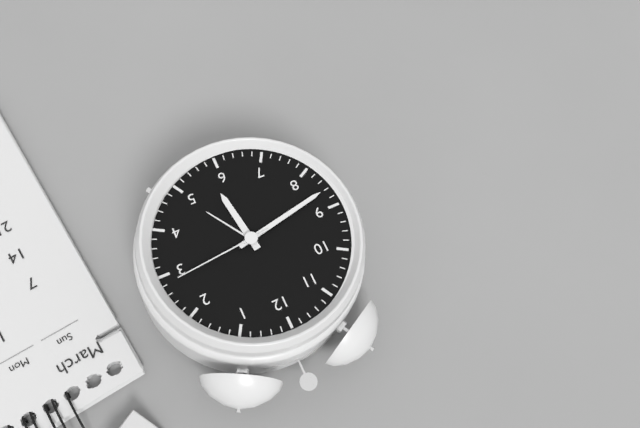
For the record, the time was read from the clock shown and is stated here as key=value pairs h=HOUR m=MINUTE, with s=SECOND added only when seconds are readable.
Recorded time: h=5 m=43 s=14
